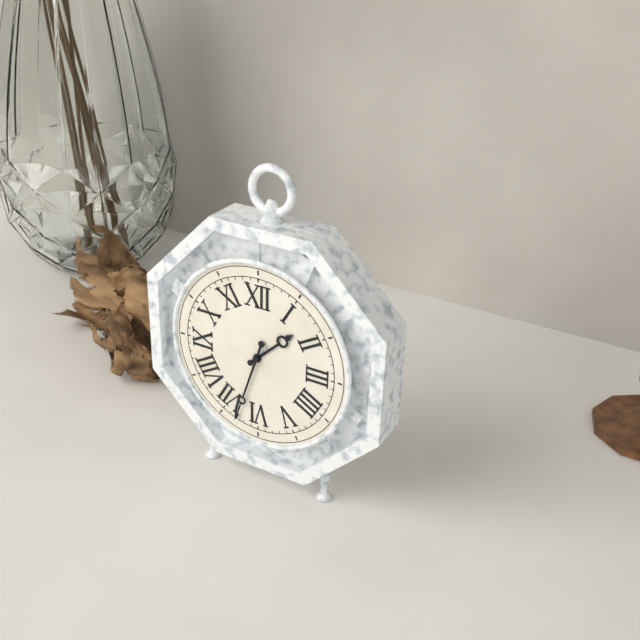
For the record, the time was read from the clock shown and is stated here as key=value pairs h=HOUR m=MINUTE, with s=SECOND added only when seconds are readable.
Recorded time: h=1 m=33
